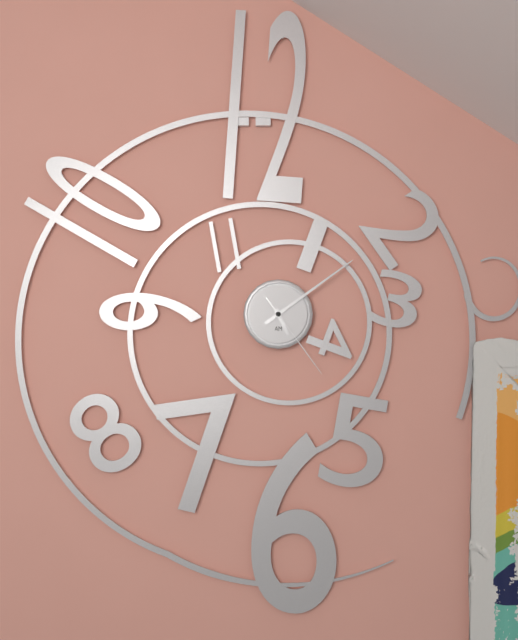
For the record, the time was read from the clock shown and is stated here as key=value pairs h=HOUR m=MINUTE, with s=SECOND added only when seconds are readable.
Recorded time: h=5 m=9 s=24
